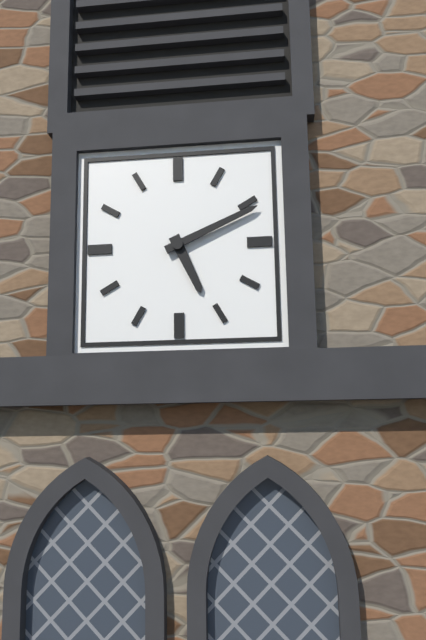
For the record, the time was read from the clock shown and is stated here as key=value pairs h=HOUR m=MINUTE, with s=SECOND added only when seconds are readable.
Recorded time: h=5 m=11
